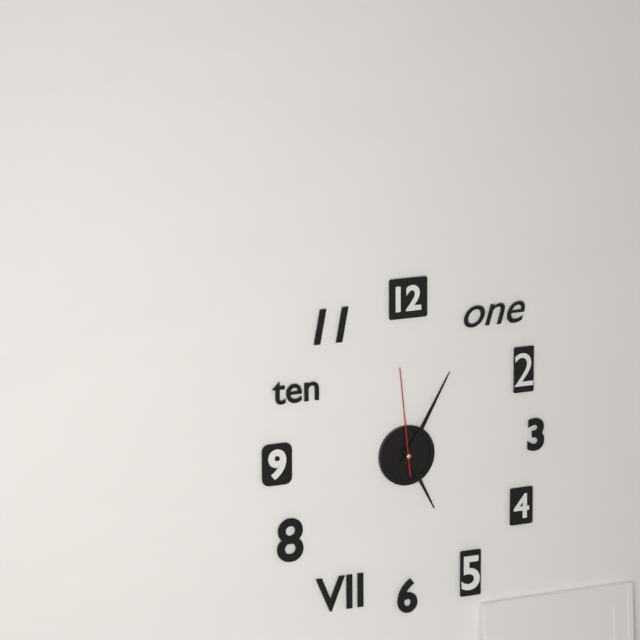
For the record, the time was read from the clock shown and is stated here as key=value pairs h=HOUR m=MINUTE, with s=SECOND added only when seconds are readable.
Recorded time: h=5 m=5 s=59
